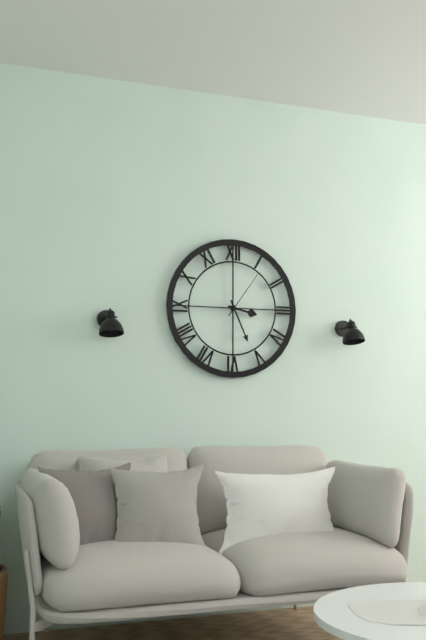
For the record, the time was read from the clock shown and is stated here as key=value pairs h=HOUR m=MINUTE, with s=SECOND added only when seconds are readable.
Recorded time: h=3 m=26 s=6
